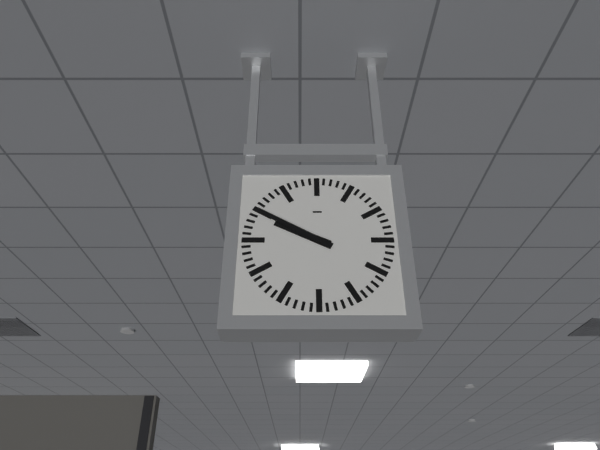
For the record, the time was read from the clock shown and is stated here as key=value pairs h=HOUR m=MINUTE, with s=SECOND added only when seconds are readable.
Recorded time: h=9 m=50
